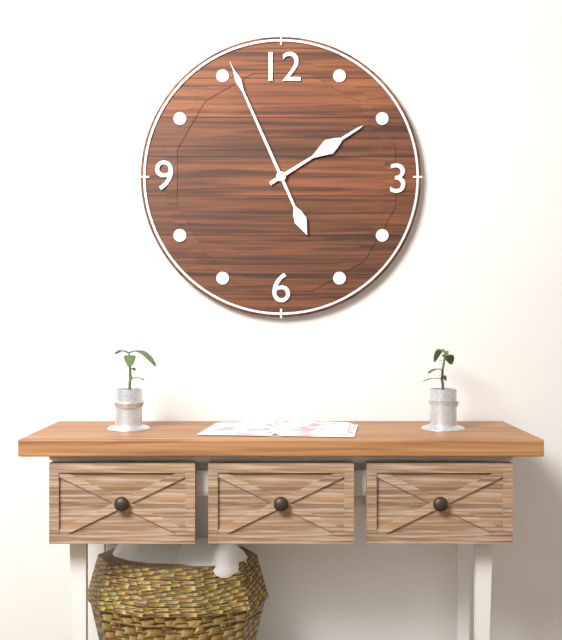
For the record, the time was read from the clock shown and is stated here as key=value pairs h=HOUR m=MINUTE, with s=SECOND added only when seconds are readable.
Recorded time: h=1 m=56
